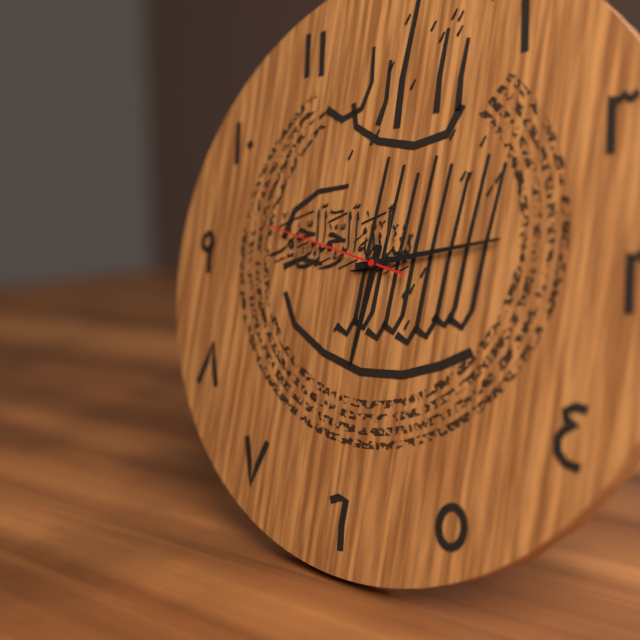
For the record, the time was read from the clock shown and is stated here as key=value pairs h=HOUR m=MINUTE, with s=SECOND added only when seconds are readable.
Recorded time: h=6 m=13 s=47
